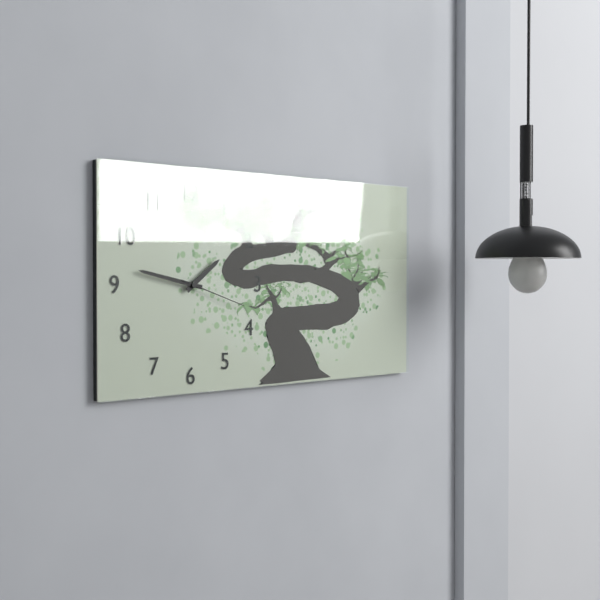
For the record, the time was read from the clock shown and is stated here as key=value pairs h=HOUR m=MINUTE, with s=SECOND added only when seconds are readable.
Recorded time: h=1 m=47 s=18
